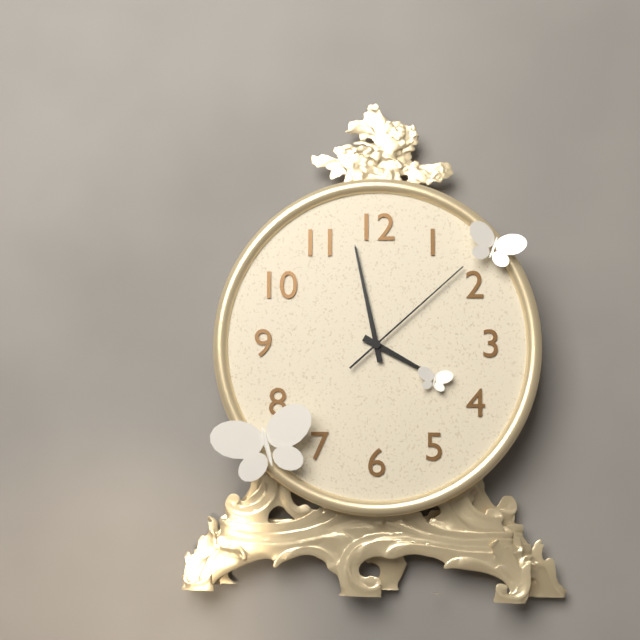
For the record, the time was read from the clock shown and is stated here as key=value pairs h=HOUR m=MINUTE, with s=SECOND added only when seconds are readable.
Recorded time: h=3 m=58 s=8
